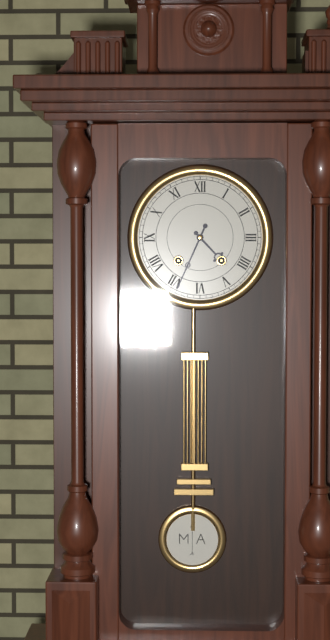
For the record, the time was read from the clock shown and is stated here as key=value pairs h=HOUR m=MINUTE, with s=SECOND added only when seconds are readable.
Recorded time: h=4 m=34
